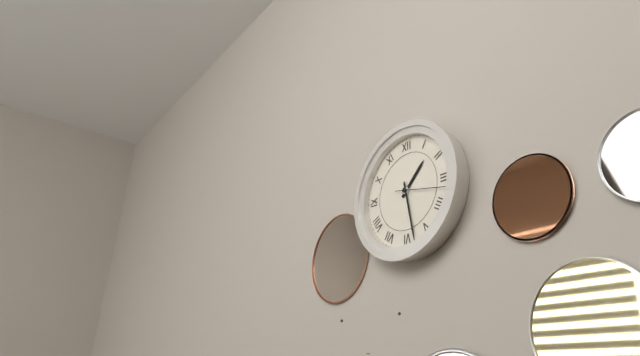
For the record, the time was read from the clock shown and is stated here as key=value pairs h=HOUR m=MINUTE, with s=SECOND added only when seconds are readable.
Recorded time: h=1 m=28 s=17
